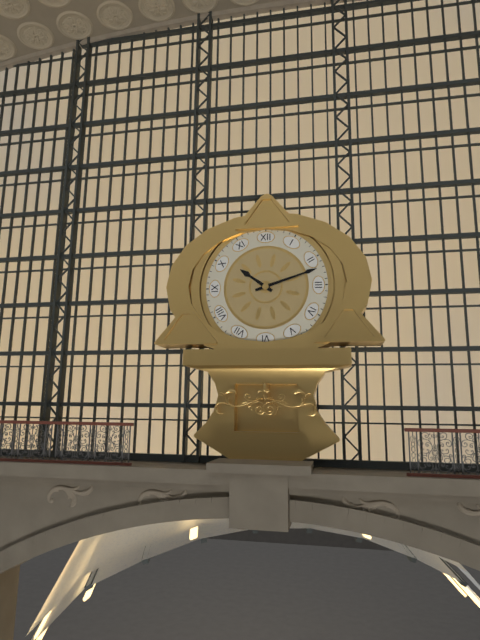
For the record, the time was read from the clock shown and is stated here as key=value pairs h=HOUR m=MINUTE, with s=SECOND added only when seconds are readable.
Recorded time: h=10 m=12
